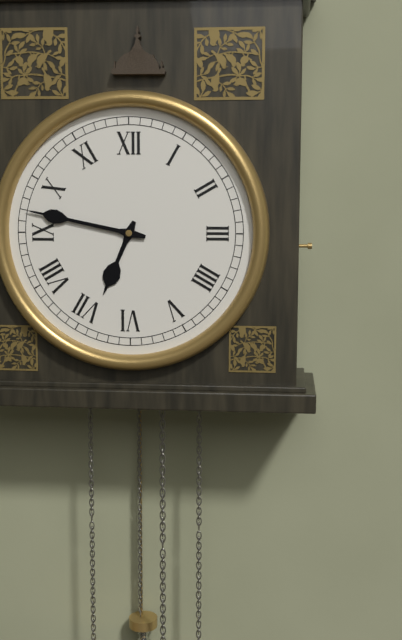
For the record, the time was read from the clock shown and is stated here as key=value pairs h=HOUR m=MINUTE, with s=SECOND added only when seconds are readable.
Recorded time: h=6 m=47
